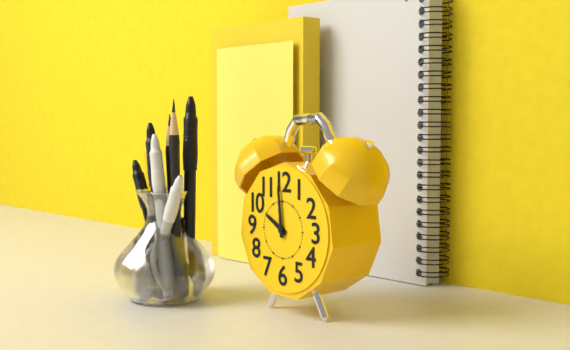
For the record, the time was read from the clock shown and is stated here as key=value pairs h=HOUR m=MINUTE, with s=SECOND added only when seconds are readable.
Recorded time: h=9 m=59
